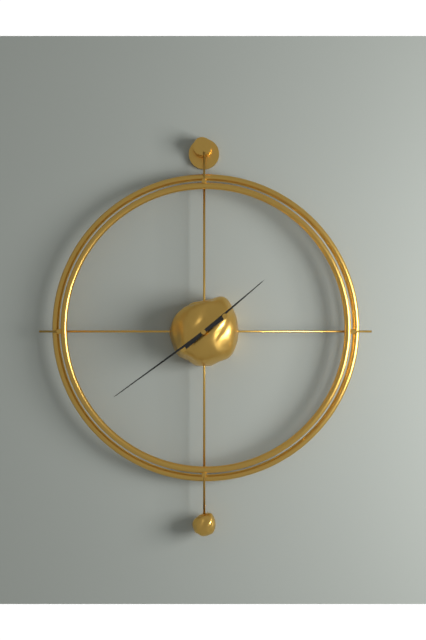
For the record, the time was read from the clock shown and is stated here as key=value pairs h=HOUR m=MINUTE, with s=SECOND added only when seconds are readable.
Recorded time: h=1 m=39
